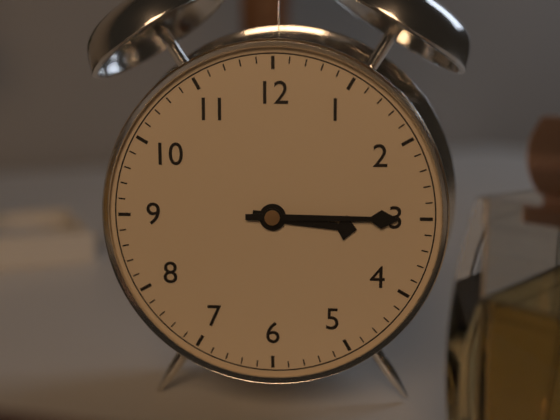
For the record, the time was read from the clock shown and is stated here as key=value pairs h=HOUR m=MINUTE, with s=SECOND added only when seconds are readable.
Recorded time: h=3 m=15
